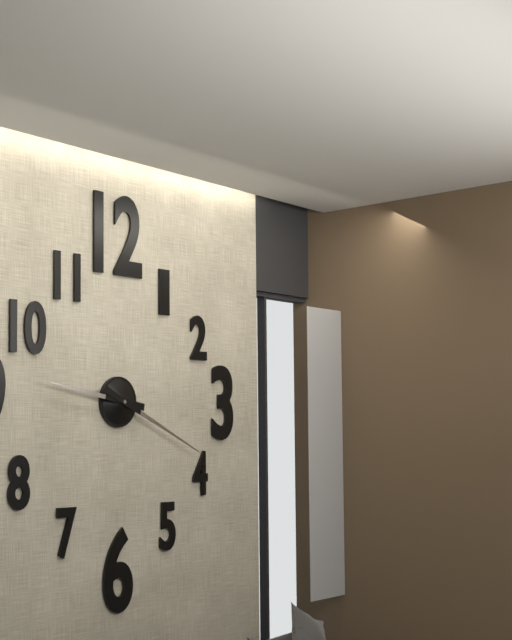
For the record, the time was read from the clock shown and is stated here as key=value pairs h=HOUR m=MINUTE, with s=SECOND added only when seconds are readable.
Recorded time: h=9 m=19
